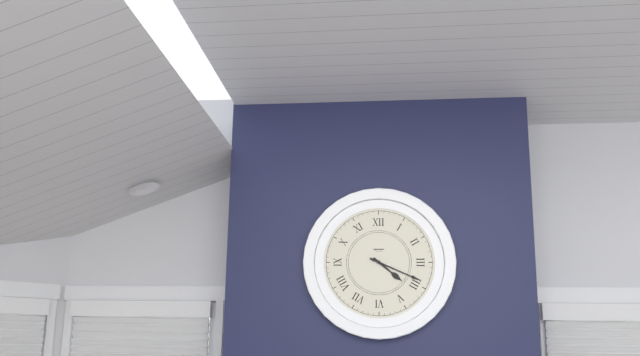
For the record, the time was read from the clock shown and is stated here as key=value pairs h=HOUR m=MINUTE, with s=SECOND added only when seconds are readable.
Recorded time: h=4 m=19
